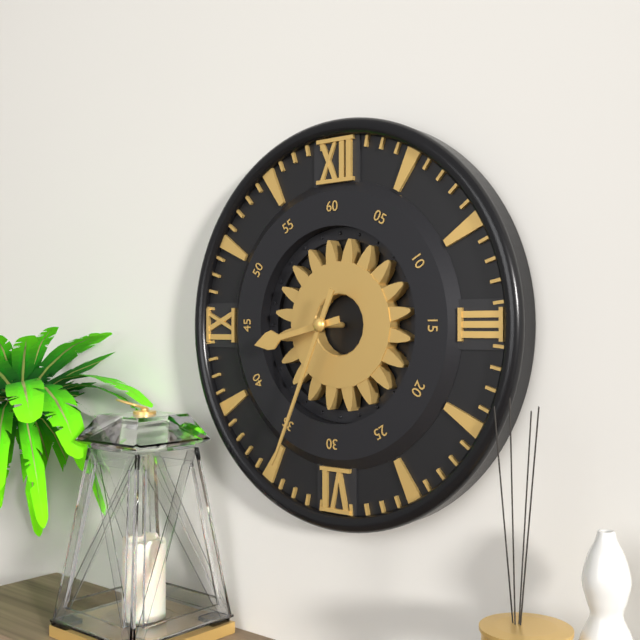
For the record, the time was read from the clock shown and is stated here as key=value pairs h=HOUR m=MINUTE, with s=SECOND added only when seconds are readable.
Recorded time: h=8 m=34
